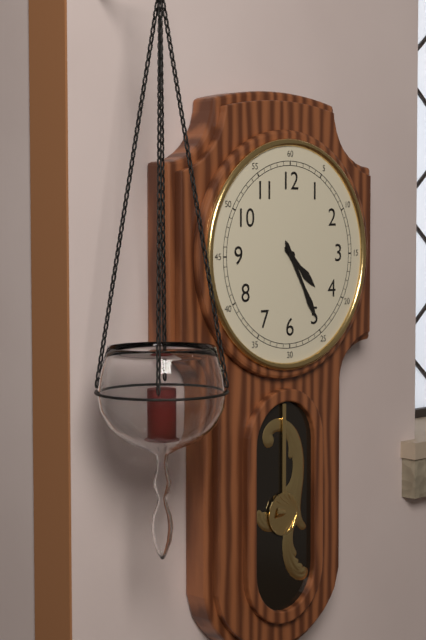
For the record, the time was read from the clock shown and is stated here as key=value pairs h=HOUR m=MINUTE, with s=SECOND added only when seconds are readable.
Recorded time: h=4 m=25
